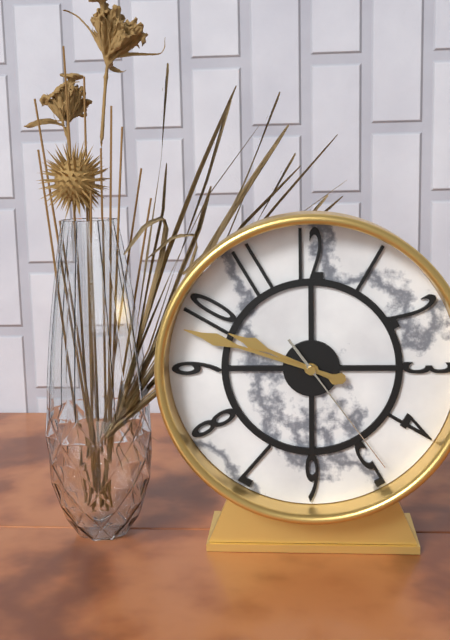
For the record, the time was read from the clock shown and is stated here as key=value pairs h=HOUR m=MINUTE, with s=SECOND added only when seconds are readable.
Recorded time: h=9 m=48 s=24
